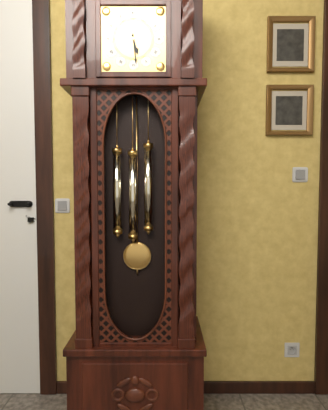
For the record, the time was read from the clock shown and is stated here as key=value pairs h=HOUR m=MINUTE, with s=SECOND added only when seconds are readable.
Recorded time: h=5 m=29
